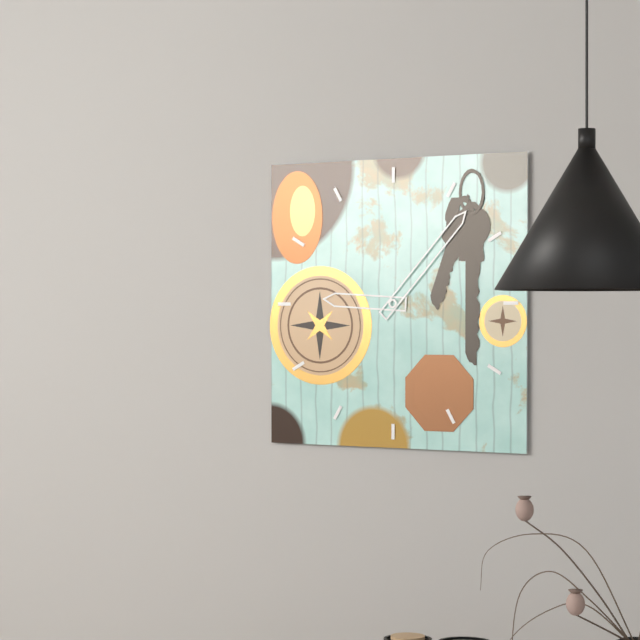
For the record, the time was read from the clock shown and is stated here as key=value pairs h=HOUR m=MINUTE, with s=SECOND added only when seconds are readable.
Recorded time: h=9 m=7
